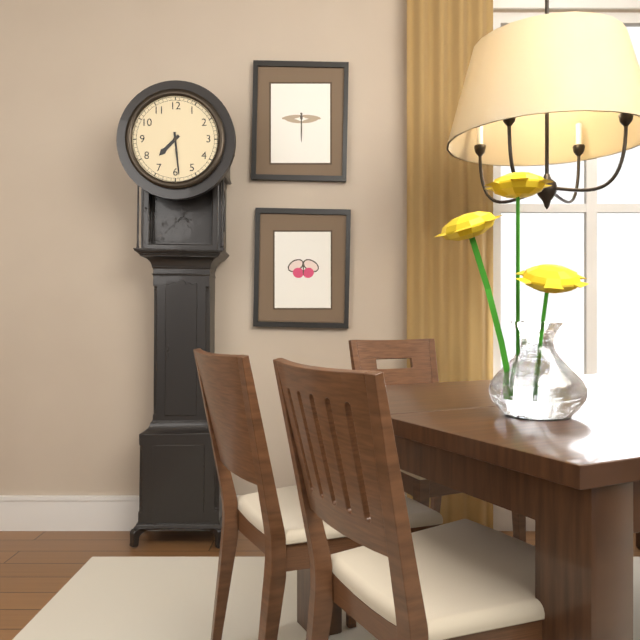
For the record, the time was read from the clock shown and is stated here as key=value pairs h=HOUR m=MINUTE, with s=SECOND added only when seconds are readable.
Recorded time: h=7 m=29
